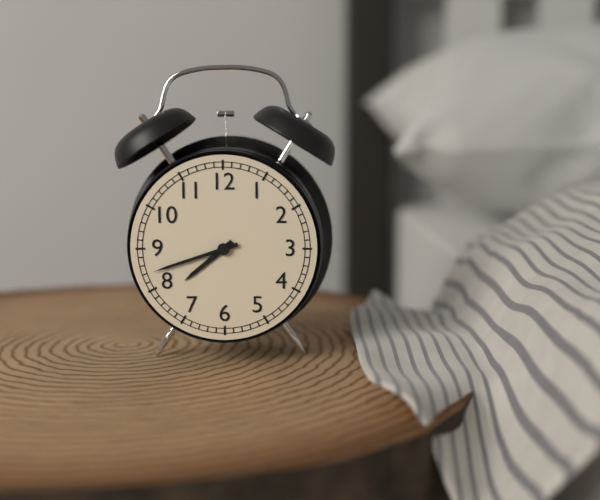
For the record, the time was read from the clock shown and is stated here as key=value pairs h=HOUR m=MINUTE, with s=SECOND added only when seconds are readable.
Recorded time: h=7 m=42
